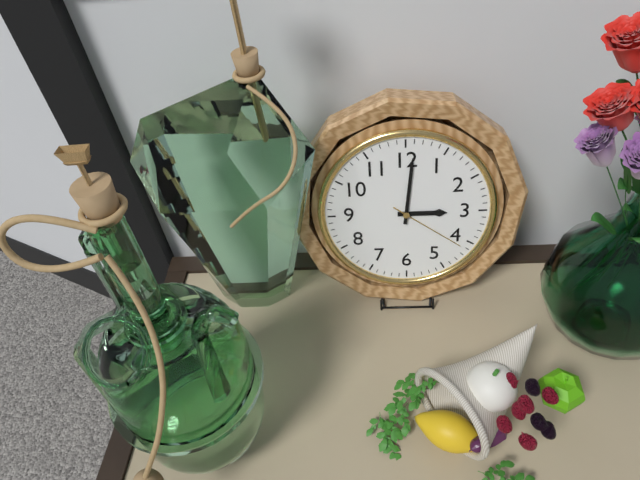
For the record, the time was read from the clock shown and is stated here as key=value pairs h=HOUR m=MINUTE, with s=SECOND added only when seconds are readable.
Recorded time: h=3 m=1 s=21
